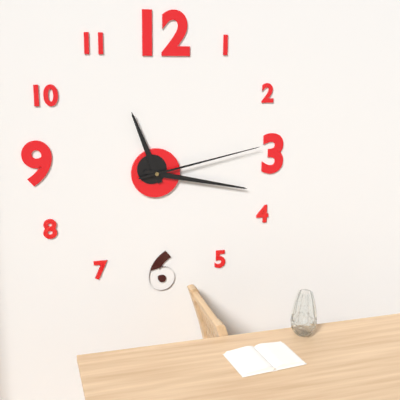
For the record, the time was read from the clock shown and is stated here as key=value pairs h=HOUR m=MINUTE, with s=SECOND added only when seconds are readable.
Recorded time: h=11 m=17 s=13
